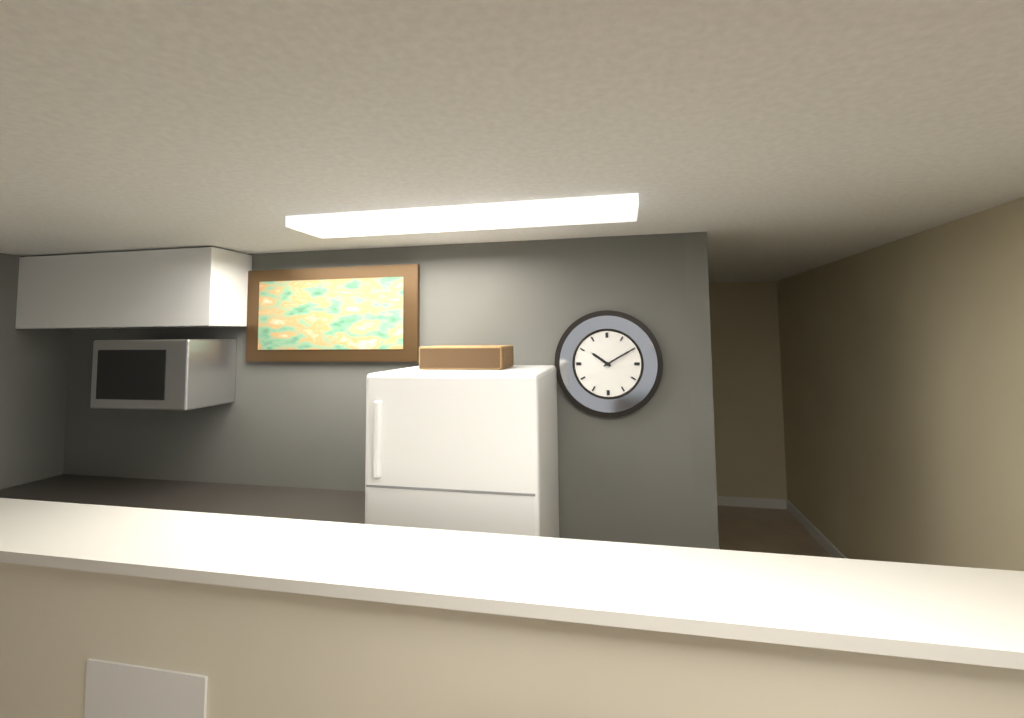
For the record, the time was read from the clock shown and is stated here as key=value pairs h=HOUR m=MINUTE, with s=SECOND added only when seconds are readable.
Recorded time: h=10 m=10
